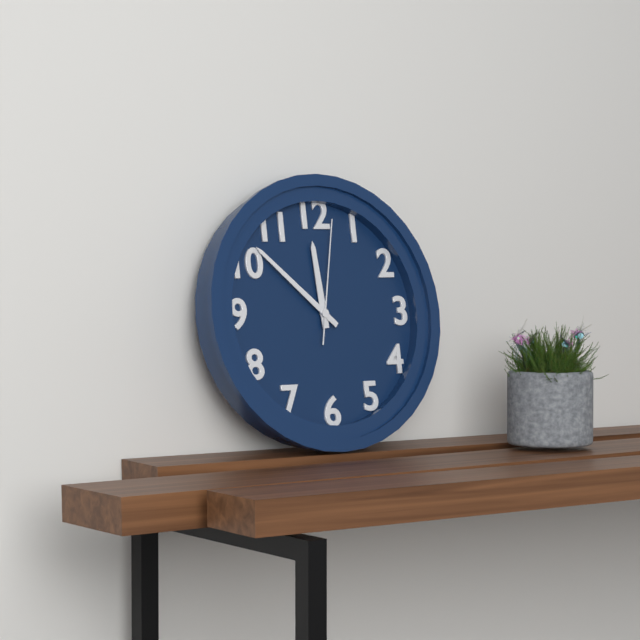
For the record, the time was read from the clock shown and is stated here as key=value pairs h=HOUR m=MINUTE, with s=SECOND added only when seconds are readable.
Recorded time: h=11 m=52 s=2
